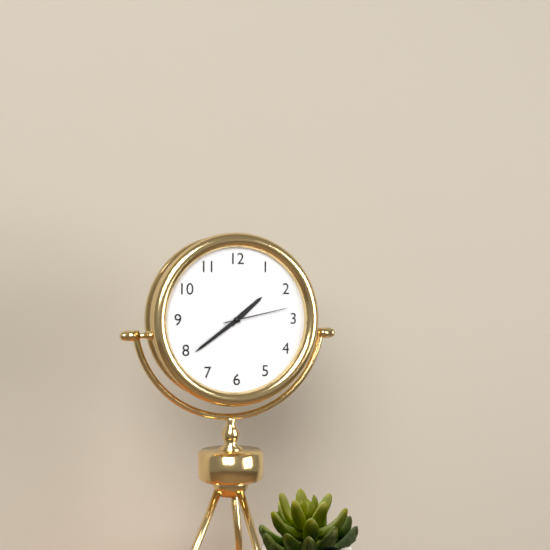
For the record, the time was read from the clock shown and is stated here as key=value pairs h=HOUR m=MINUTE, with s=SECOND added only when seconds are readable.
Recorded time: h=1 m=39 s=13
